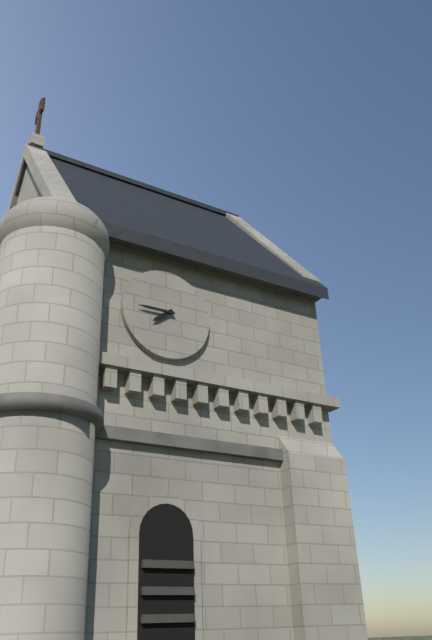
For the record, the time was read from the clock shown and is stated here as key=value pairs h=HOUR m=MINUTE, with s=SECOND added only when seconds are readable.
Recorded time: h=7 m=45
